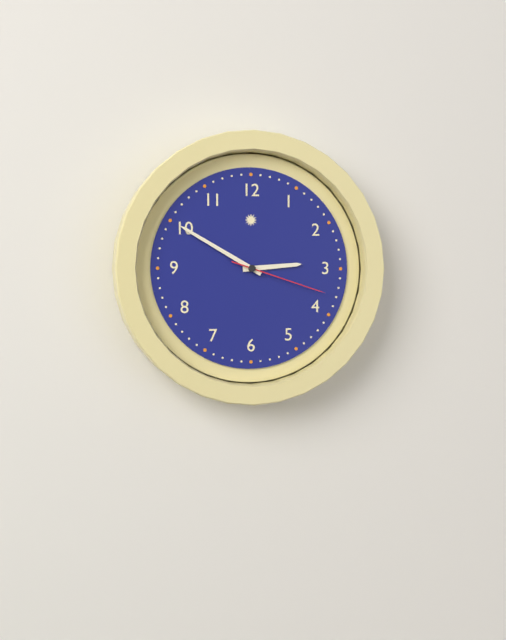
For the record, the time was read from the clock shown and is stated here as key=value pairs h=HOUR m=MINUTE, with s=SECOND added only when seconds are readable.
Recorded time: h=2 m=50 s=18
